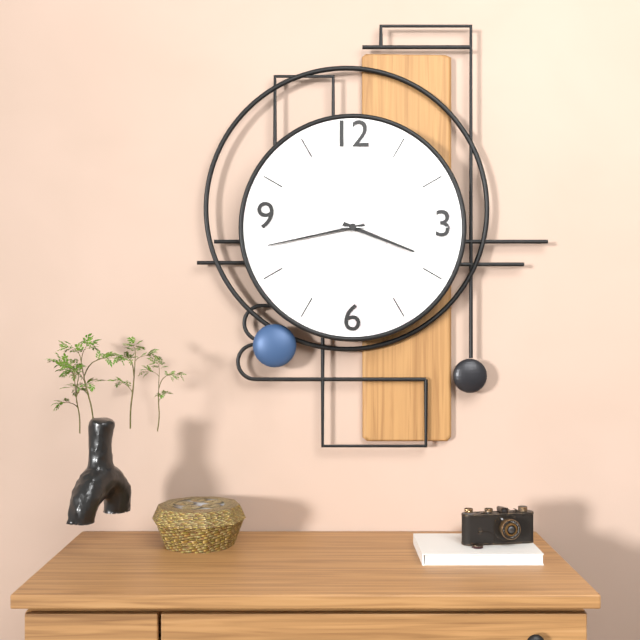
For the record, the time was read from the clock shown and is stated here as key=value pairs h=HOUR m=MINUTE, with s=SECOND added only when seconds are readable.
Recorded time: h=3 m=43 s=15
